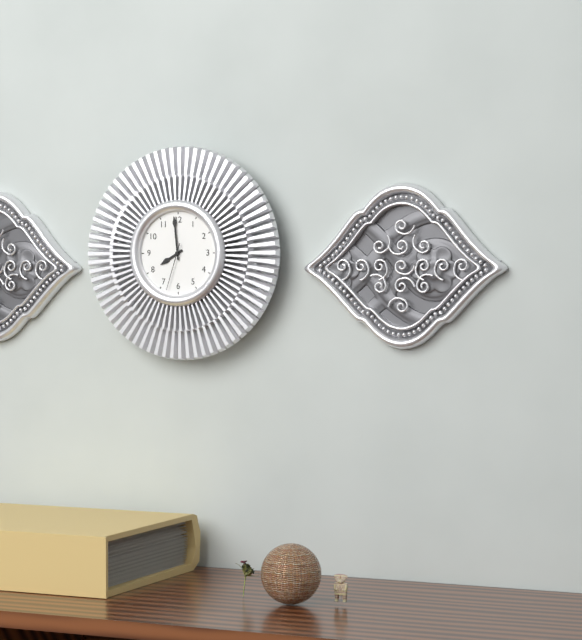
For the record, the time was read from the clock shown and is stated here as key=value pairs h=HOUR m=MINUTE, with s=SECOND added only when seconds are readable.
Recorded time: h=7 m=59
